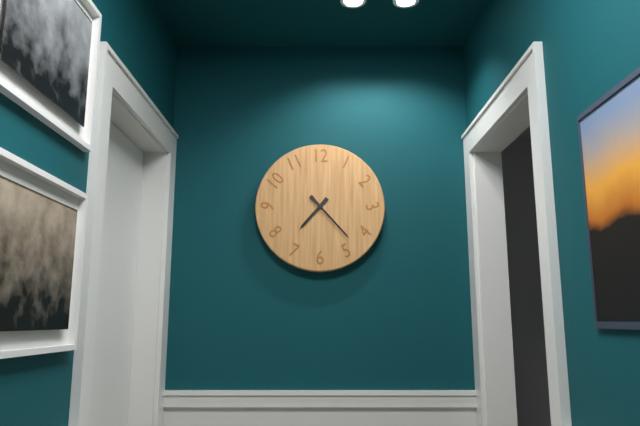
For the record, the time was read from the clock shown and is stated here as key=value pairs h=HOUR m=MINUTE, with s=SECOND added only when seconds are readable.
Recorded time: h=7 m=23
